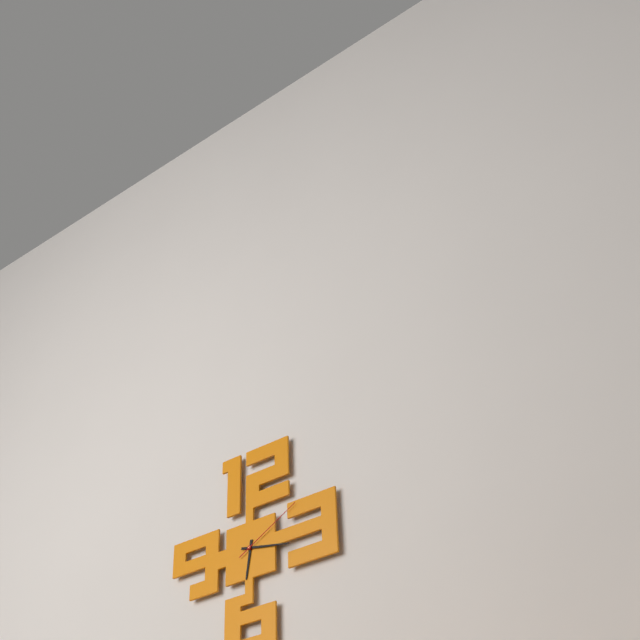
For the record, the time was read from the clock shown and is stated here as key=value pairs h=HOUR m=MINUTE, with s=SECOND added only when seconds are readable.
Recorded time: h=6 m=17 s=10
